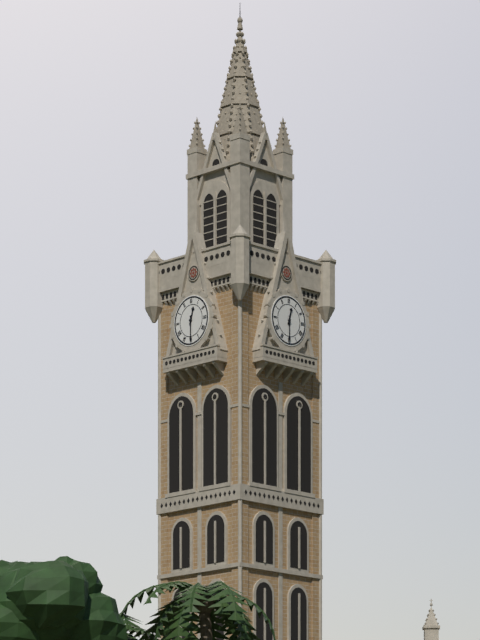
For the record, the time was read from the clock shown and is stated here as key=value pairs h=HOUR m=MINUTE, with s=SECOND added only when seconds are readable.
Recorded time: h=12 m=30
